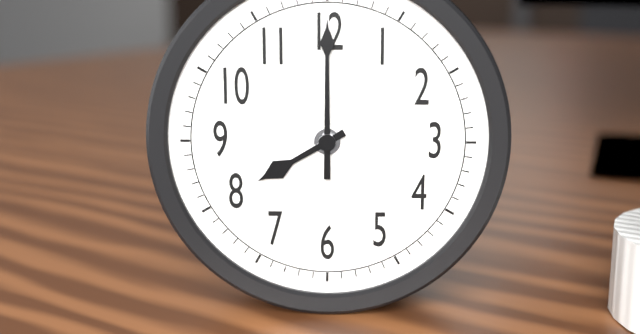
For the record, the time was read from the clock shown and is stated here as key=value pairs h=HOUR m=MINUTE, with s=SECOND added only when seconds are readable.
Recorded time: h=8 m=0
